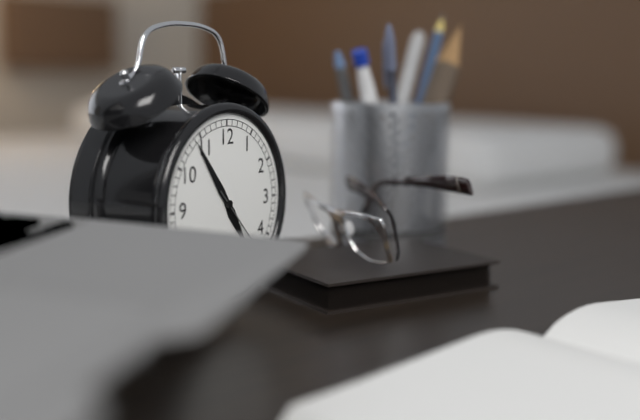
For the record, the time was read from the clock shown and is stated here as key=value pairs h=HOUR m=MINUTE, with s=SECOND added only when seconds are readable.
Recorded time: h=4 m=54
